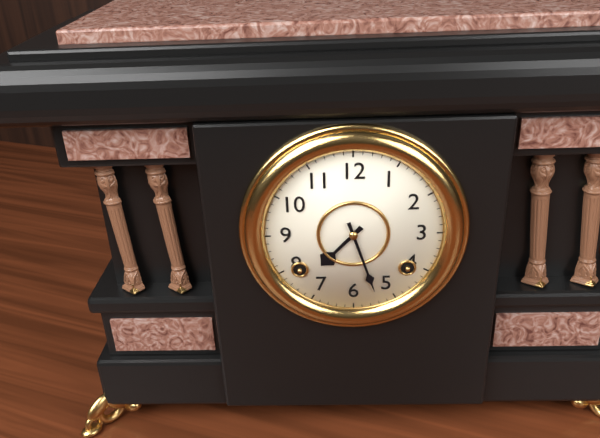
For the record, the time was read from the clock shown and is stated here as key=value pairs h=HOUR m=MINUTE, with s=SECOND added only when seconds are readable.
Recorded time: h=7 m=27
